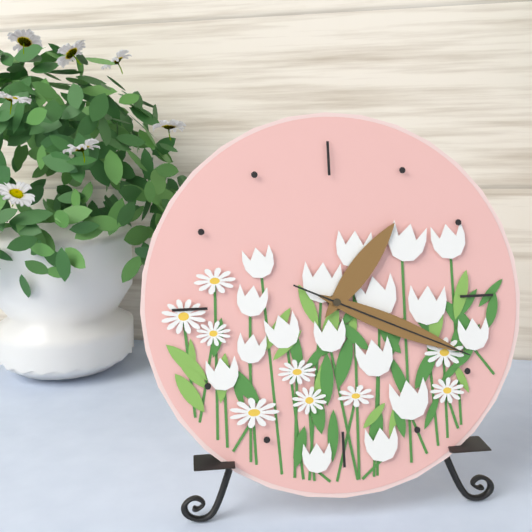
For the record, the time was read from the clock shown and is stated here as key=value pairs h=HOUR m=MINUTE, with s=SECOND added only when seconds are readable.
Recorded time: h=1 m=19 s=19
